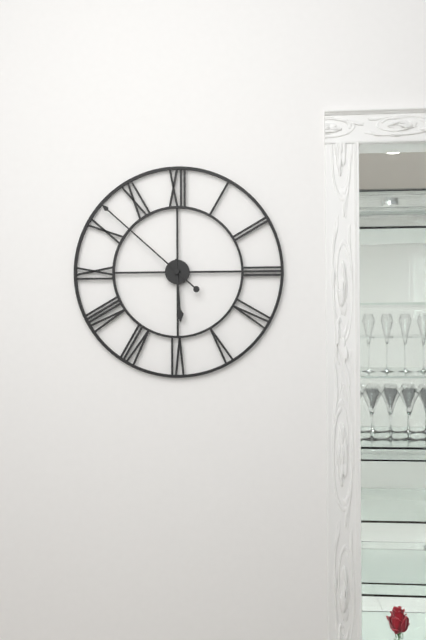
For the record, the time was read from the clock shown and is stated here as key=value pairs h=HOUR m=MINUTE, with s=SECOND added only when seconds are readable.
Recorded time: h=5 m=52
